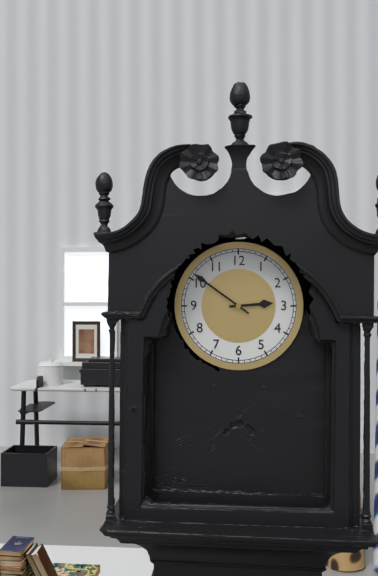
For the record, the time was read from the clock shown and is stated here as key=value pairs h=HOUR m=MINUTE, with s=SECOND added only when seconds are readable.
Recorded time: h=2 m=51
